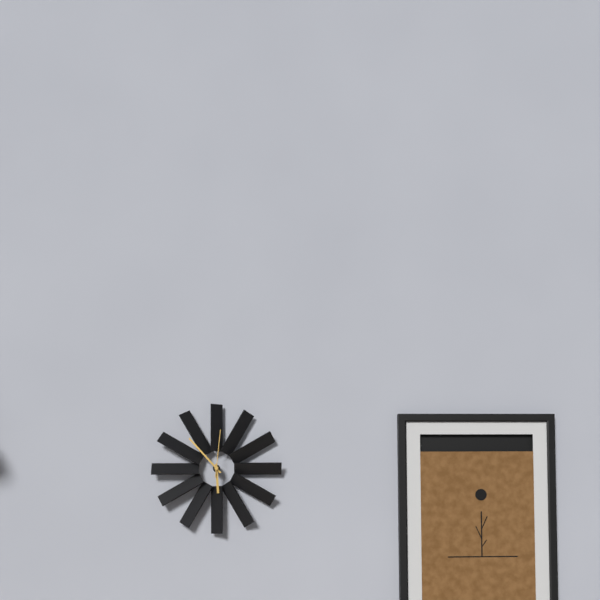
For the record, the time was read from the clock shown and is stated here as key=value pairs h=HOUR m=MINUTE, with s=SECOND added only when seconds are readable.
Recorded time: h=5 m=53
